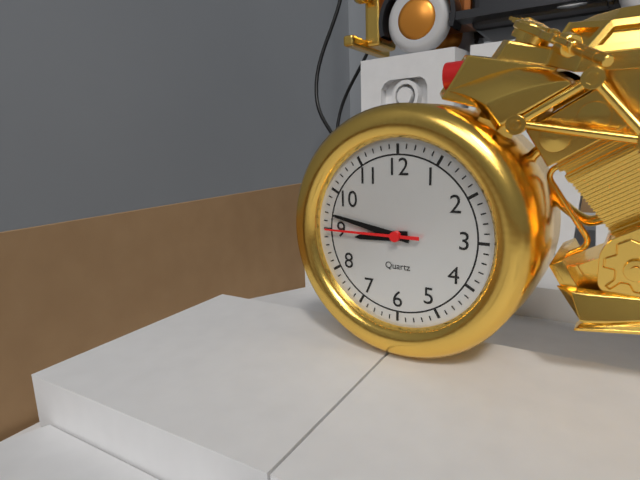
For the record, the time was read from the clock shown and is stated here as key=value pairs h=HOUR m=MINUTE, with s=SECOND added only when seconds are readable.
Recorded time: h=8 m=47 s=45
